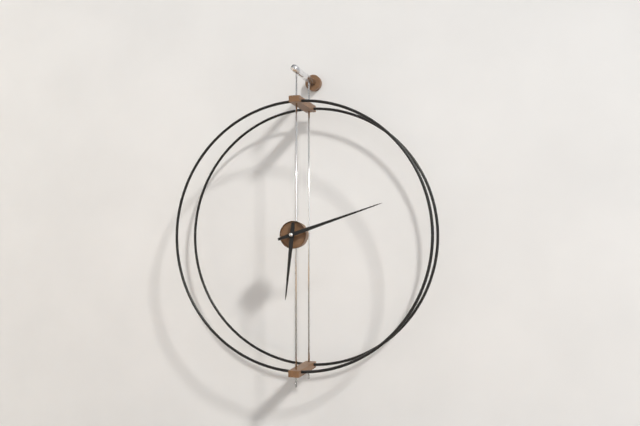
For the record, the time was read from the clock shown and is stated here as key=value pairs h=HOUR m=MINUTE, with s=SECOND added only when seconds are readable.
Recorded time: h=6 m=12
